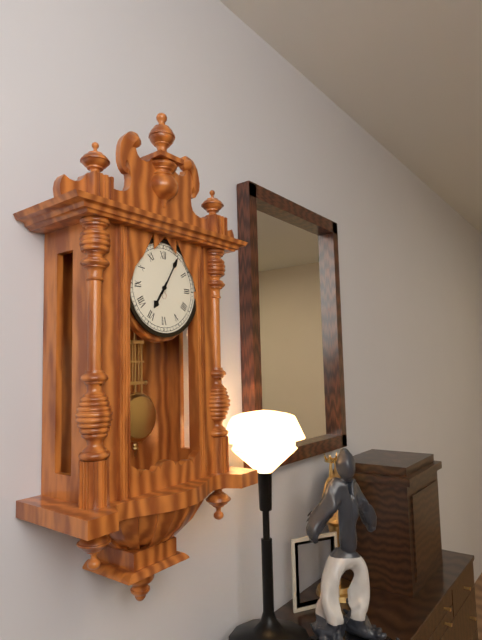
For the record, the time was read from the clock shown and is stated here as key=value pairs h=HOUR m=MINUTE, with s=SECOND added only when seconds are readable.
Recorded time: h=7 m=5
